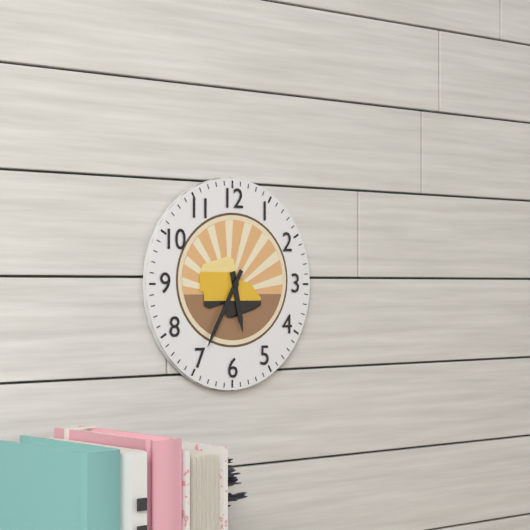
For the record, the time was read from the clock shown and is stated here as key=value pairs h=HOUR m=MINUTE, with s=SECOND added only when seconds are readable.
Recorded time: h=5 m=35
